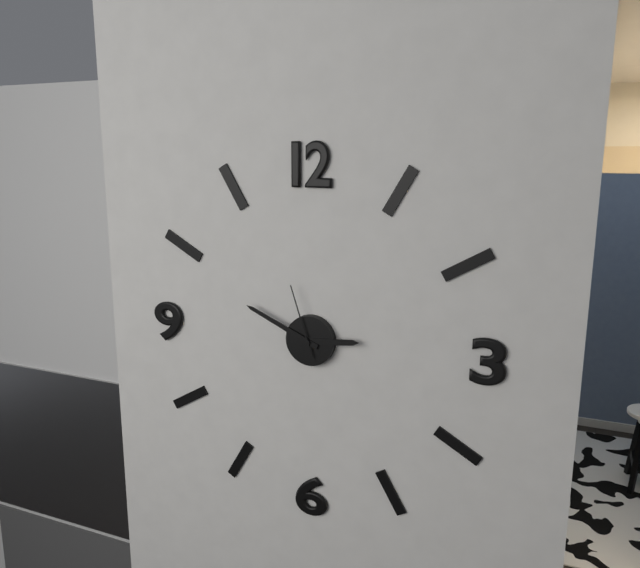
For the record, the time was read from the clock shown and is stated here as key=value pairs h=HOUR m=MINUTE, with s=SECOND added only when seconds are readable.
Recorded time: h=2 m=49 s=57
